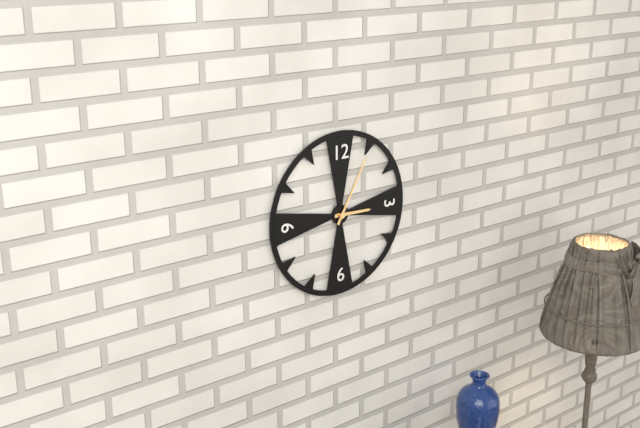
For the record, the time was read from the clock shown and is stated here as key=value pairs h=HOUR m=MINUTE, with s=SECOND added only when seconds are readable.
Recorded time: h=3 m=5
